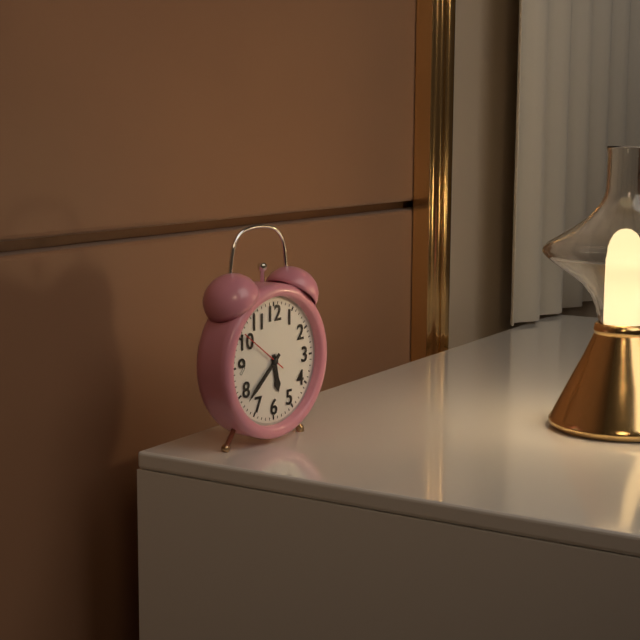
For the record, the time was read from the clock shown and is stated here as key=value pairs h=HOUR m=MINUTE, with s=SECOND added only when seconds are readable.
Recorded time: h=5 m=38 s=51
